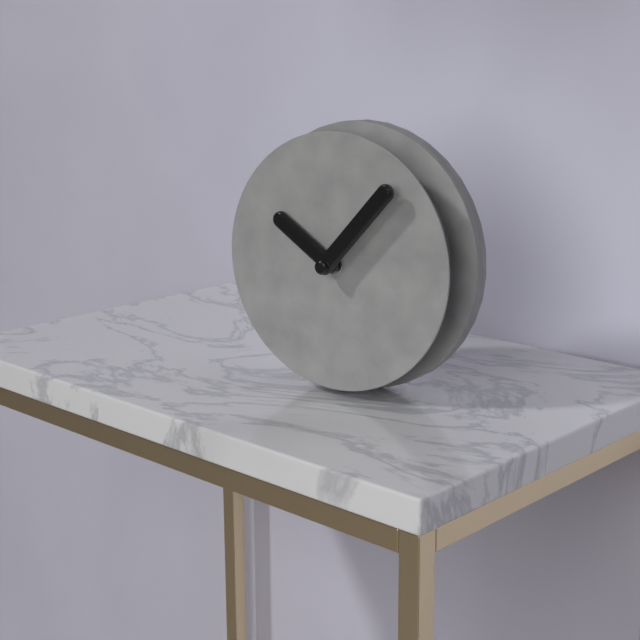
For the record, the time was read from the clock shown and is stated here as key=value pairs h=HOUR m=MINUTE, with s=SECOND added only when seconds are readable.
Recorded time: h=10 m=7
